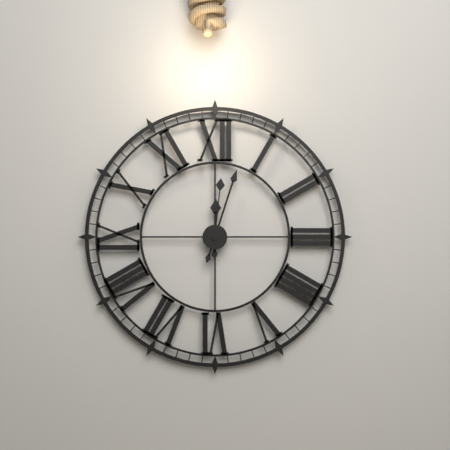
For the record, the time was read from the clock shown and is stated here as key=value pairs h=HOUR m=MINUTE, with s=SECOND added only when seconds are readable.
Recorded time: h=12 m=3 s=1
